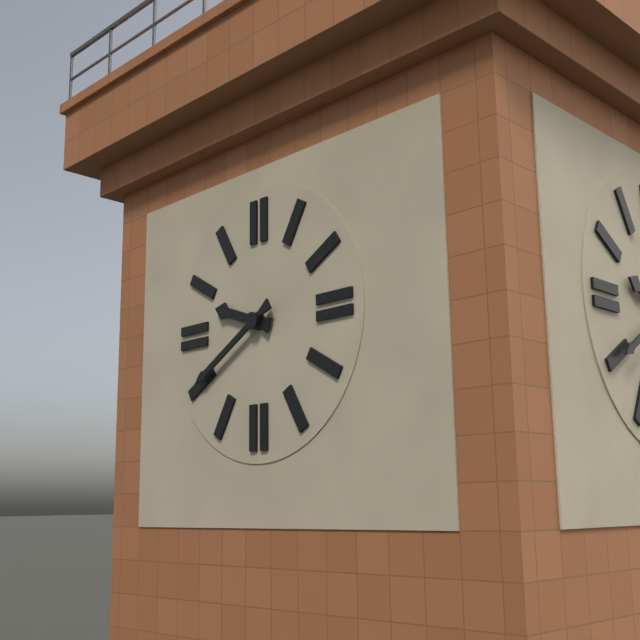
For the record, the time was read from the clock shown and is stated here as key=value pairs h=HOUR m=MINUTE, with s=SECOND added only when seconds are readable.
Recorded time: h=9 m=40
